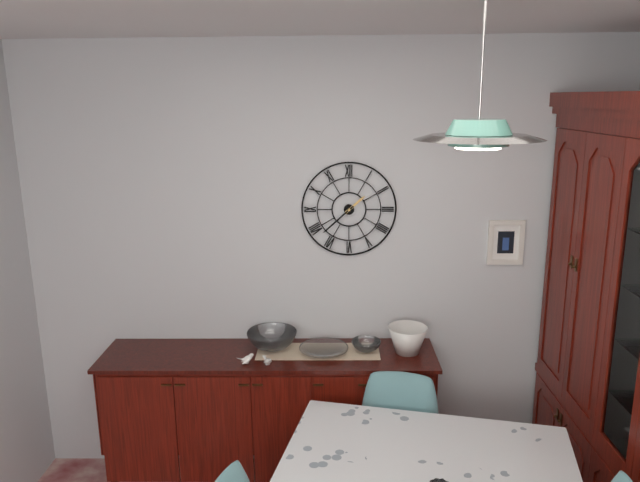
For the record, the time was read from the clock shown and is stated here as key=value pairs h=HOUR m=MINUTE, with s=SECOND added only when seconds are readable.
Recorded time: h=1 m=38
